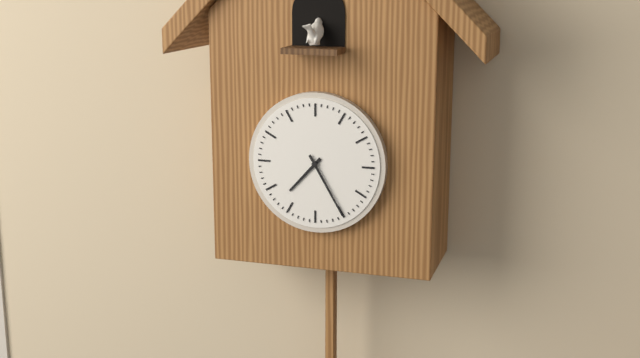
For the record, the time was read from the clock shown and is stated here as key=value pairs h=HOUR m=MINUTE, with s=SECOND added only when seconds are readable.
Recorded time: h=7 m=25
